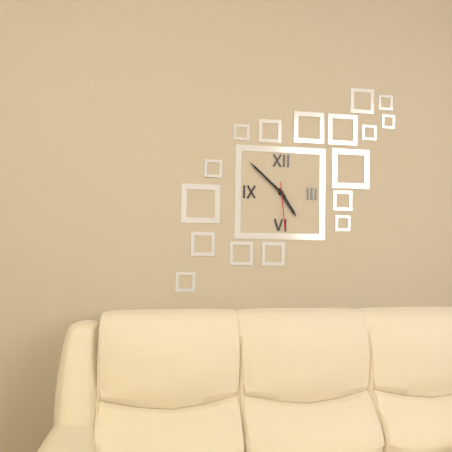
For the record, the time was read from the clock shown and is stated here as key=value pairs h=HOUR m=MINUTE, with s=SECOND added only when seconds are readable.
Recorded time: h=4 m=52 s=29
